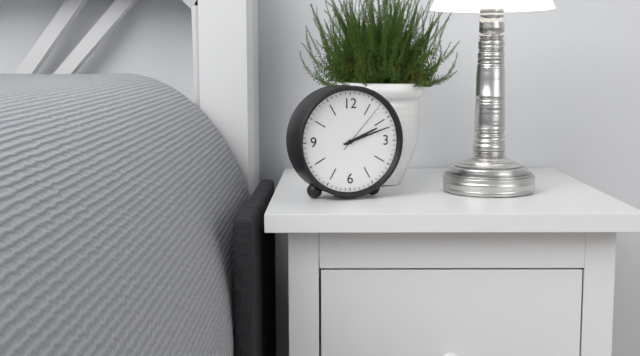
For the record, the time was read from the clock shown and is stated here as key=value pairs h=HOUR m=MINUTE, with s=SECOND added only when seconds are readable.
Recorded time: h=2 m=12 s=7
